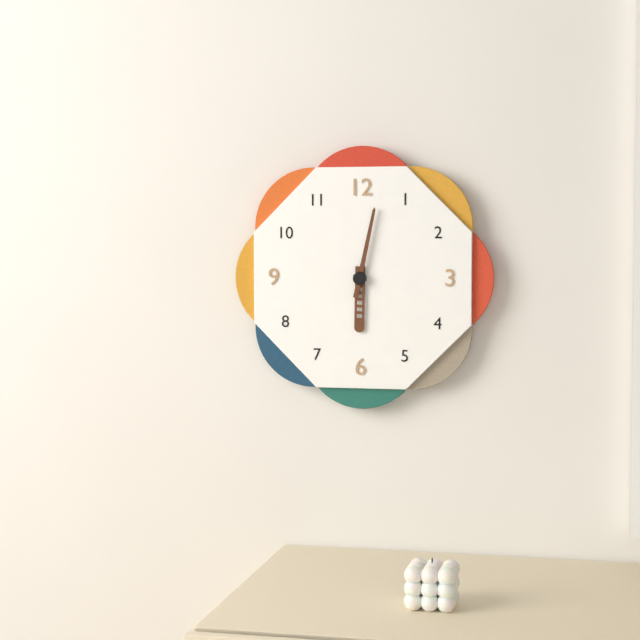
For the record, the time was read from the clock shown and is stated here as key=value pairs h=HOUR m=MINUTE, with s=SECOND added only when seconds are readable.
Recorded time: h=6 m=2
